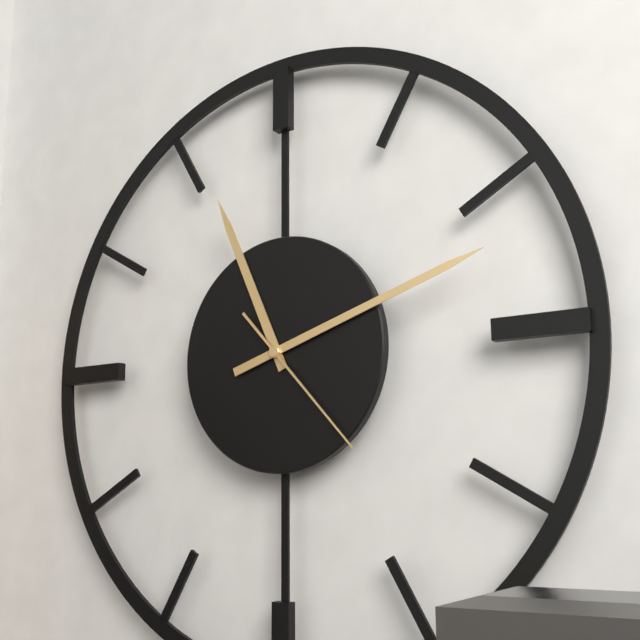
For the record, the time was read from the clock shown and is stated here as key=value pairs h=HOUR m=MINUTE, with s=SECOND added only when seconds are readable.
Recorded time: h=11 m=12 s=23
